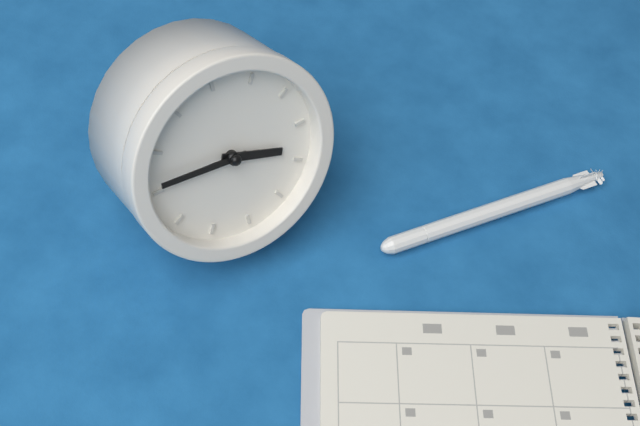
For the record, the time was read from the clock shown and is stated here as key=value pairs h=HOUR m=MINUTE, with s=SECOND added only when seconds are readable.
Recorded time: h=2 m=41
